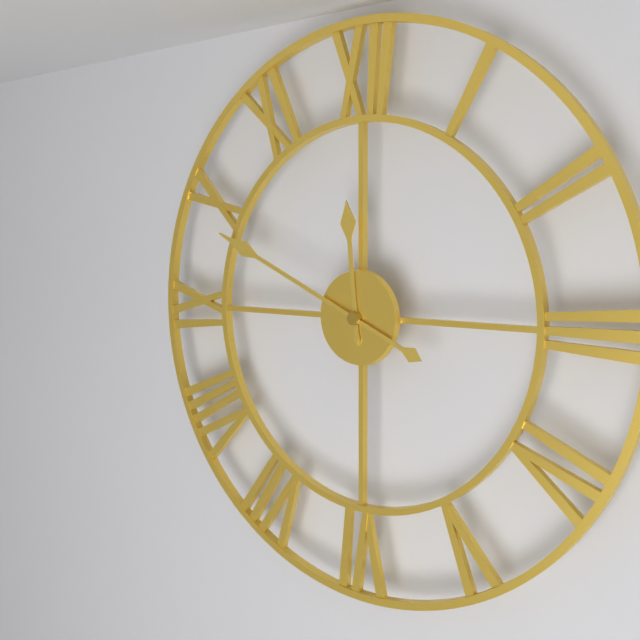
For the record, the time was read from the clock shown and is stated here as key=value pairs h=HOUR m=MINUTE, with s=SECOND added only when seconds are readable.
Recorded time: h=11 m=49
